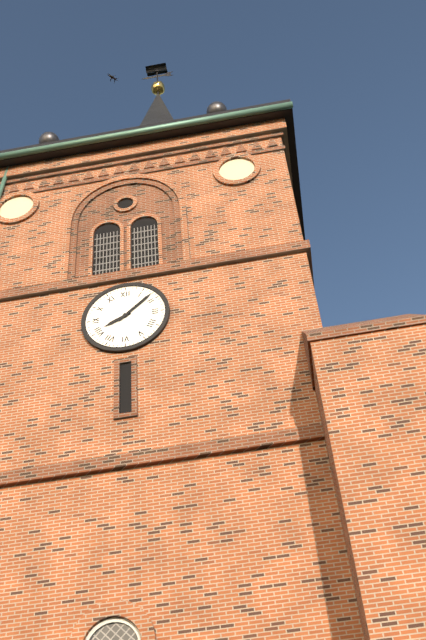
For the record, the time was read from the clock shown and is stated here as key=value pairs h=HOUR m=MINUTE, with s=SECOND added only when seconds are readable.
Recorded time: h=8 m=8
